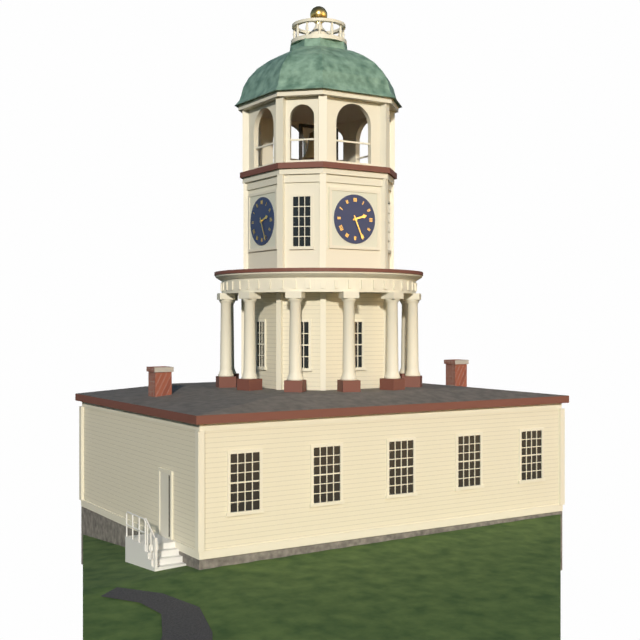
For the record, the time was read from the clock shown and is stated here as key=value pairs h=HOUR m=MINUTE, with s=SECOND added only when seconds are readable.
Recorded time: h=2 m=26
